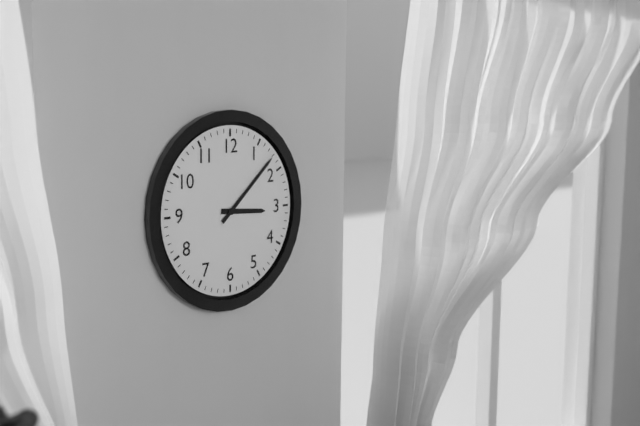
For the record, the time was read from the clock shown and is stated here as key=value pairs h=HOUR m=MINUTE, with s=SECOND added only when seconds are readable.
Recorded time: h=3 m=8
